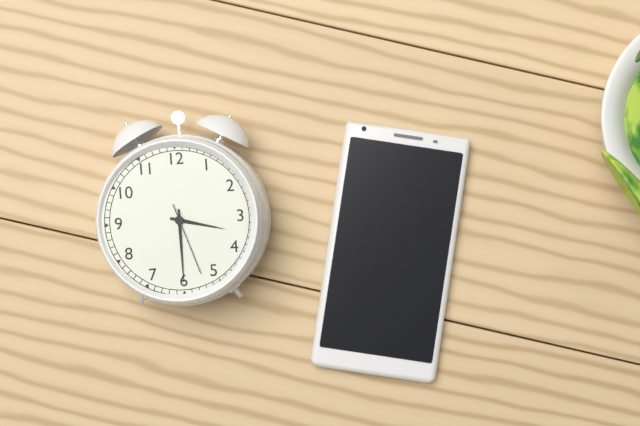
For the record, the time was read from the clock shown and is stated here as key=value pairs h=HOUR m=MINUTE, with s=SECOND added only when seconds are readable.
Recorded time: h=3 m=30 s=27
